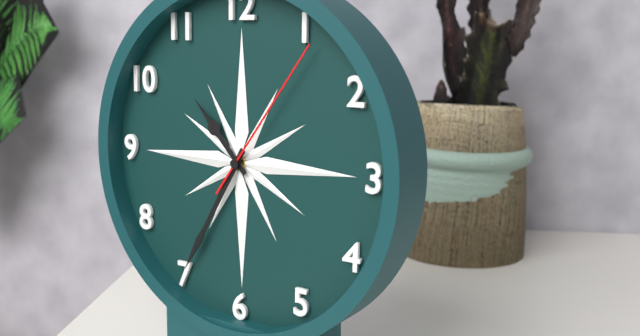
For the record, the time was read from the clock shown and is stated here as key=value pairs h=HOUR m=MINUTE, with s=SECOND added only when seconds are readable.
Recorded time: h=10 m=35 s=6
